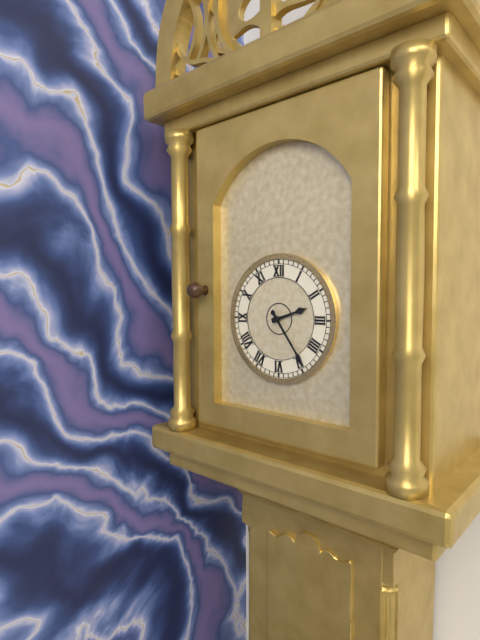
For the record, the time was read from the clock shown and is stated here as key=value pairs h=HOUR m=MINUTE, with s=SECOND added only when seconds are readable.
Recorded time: h=2 m=24
